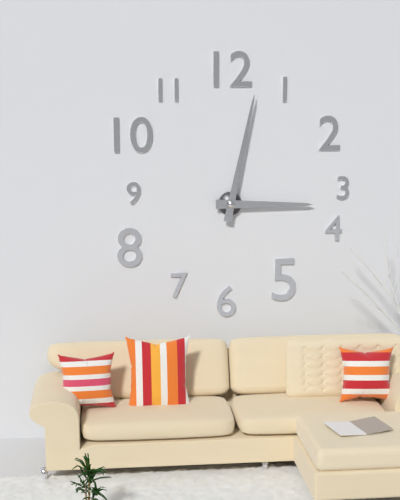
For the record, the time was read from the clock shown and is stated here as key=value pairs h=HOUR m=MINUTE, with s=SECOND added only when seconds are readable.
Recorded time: h=3 m=2
